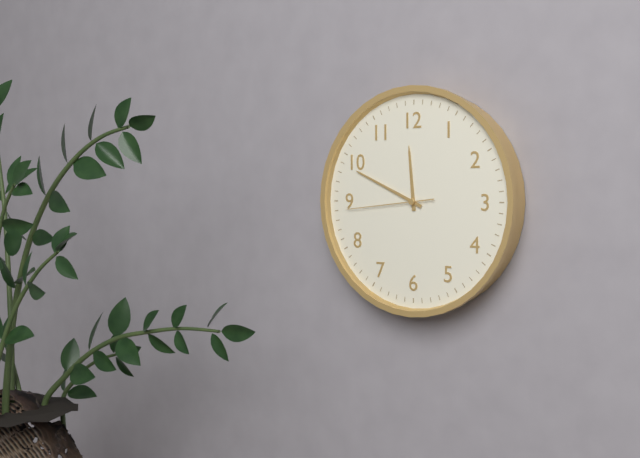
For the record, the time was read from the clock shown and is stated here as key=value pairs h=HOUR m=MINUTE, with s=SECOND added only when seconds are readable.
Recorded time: h=11 m=49 s=44
